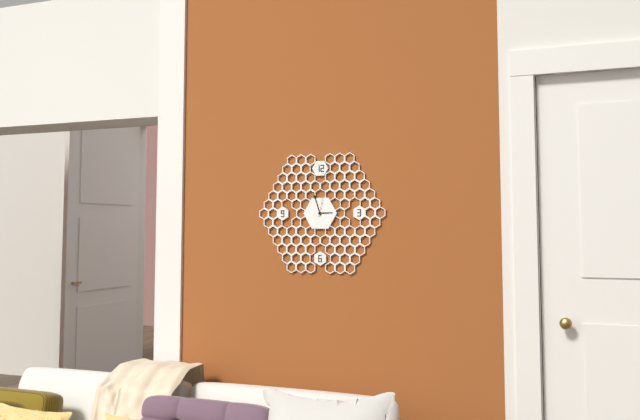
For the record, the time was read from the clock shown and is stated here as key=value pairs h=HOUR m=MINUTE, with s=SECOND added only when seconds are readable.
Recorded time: h=2 m=57
